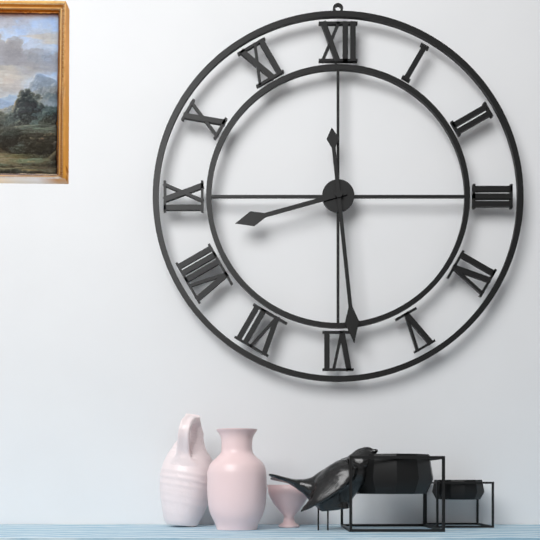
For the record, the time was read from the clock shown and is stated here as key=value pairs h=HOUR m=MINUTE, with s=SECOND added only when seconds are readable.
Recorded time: h=8 m=29
